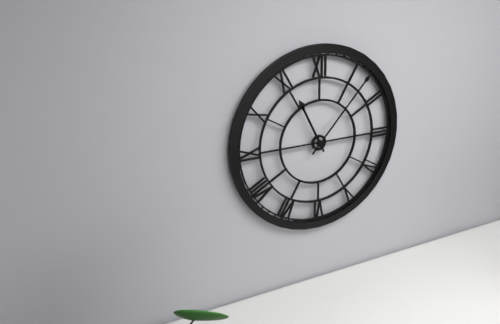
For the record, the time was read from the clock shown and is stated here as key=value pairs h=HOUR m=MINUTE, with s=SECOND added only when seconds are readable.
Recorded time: h=11 m=7
